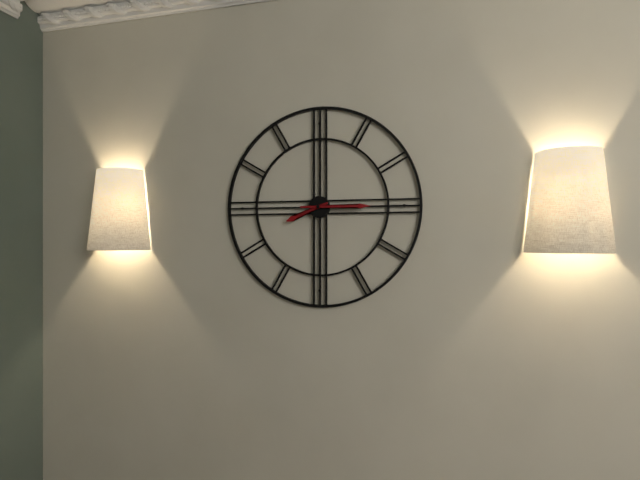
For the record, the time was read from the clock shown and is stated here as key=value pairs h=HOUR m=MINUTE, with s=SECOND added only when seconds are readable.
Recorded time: h=8 m=15
